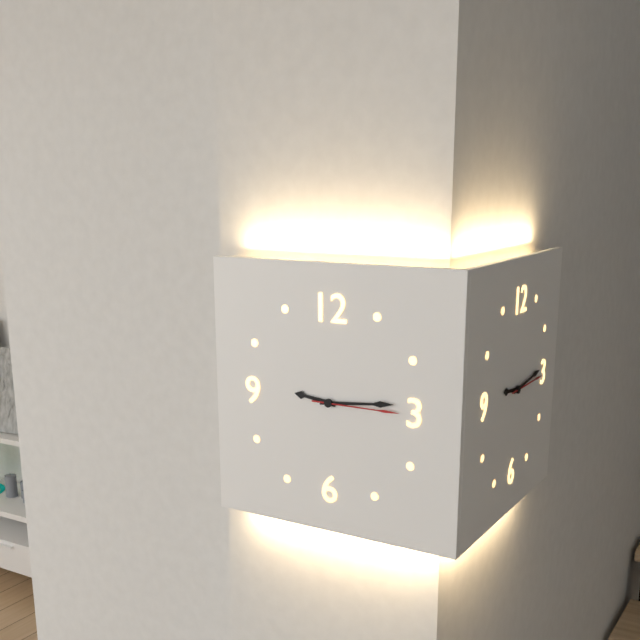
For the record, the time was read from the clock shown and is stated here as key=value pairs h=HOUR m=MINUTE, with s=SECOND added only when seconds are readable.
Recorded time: h=9 m=14 s=15
